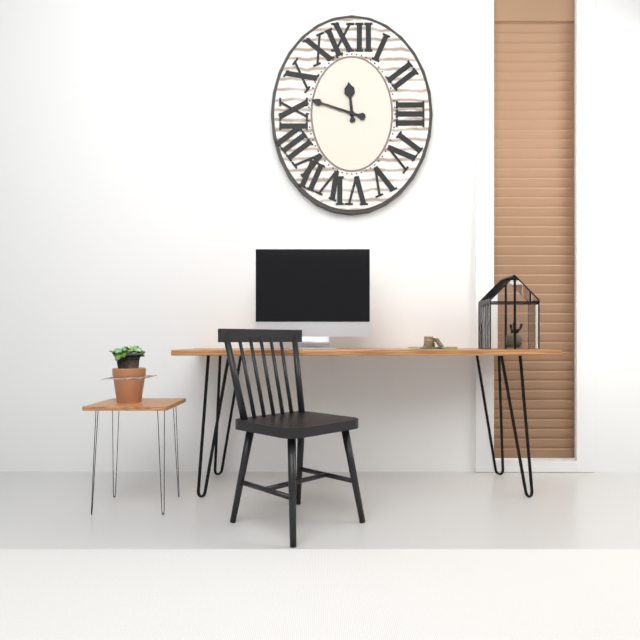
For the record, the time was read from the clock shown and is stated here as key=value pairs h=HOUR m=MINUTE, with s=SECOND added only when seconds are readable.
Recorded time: h=11 m=48
